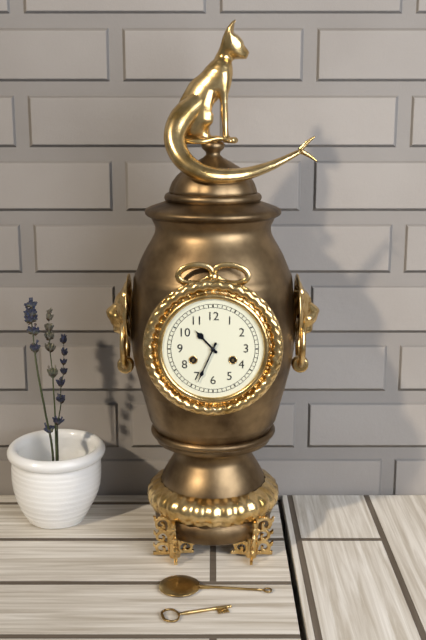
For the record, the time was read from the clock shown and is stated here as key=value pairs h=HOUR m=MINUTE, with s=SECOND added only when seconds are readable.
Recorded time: h=10 m=34
